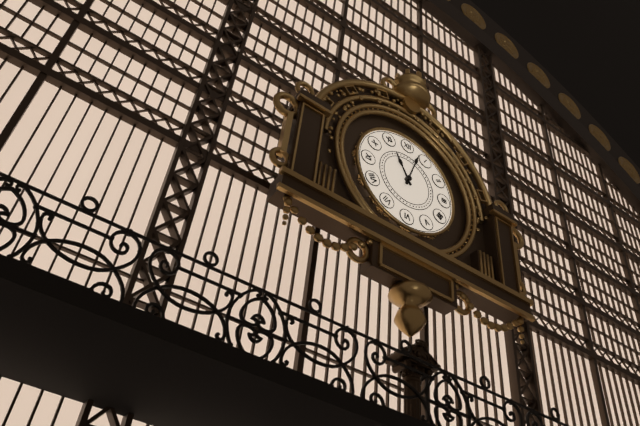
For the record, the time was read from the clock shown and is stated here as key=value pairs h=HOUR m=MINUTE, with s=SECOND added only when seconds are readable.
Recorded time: h=11 m=3
